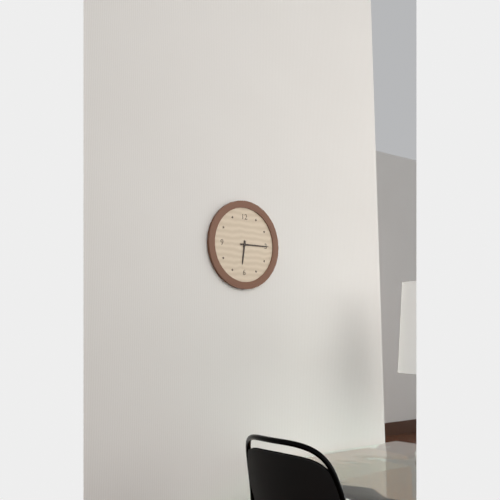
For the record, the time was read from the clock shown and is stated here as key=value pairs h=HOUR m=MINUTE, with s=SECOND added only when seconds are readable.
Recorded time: h=6 m=15
